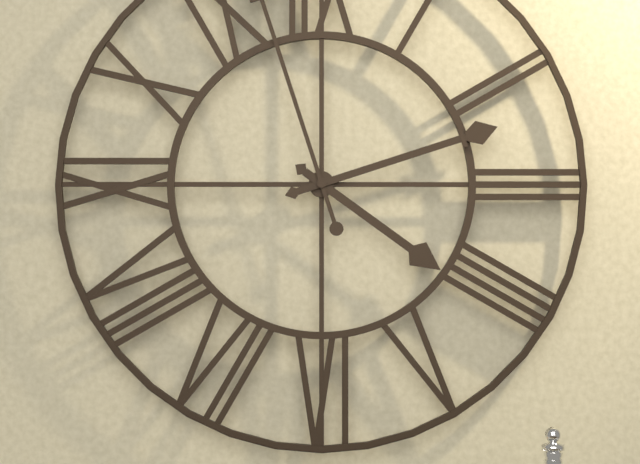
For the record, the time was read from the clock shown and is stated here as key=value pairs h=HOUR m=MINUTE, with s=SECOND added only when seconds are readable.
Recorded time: h=4 m=12
